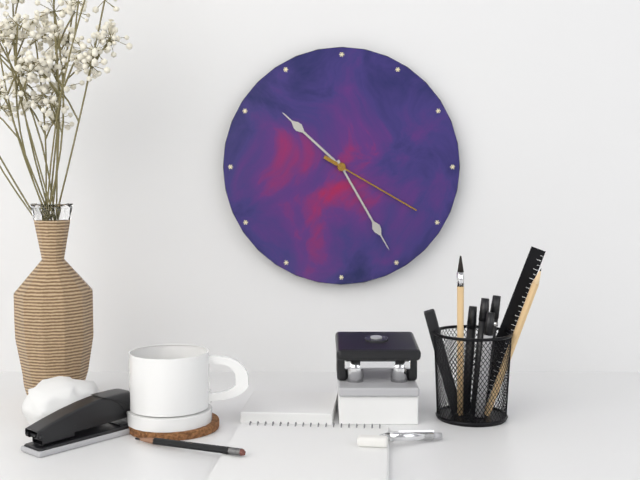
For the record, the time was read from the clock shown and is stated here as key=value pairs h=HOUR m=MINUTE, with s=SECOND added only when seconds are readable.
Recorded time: h=10 m=25 s=20
